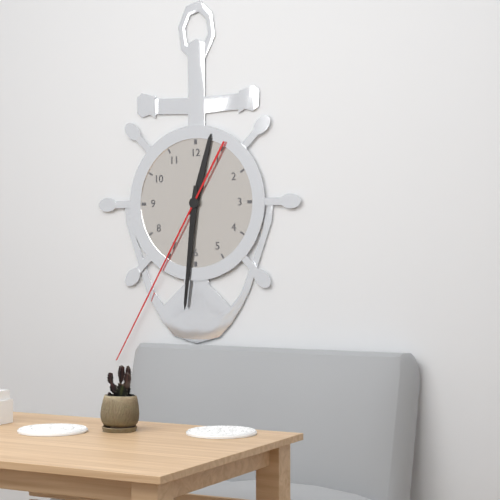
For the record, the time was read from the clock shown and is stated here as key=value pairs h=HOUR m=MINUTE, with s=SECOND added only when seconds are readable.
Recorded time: h=12 m=31 s=35
